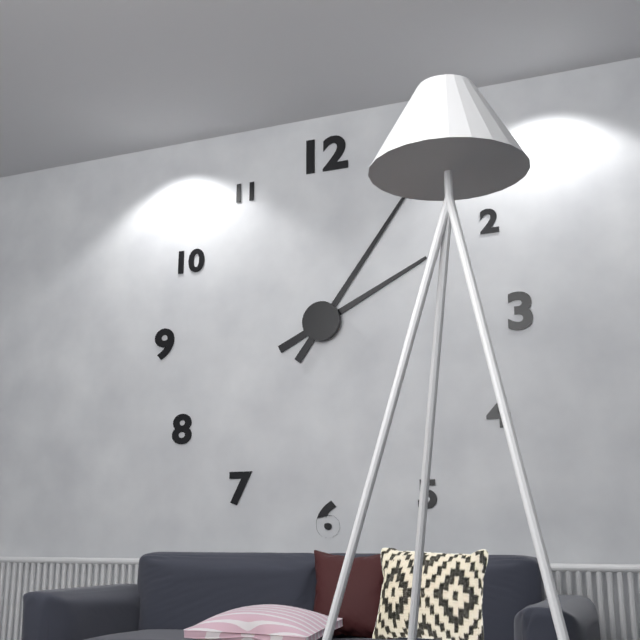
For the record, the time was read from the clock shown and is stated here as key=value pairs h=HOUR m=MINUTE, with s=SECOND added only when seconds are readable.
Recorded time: h=2 m=6
